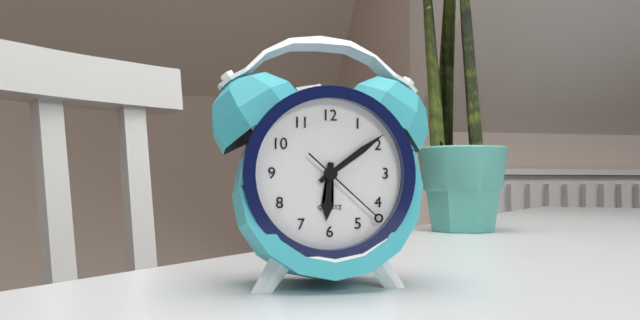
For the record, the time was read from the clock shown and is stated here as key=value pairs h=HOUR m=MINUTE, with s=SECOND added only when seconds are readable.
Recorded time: h=6 m=9 s=22
